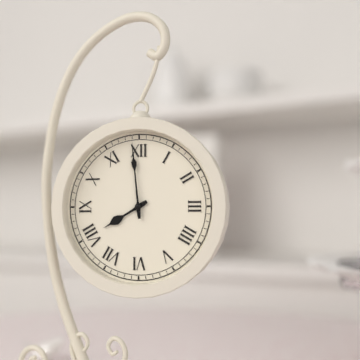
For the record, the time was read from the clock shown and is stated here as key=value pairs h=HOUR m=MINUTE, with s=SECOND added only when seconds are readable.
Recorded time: h=7 m=59
